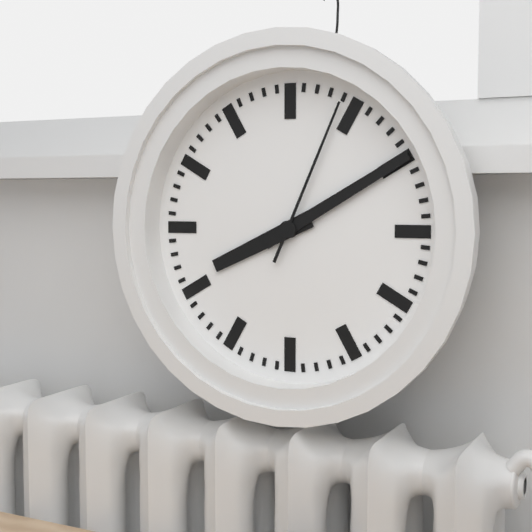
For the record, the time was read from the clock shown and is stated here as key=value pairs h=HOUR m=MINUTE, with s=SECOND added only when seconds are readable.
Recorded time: h=8 m=10 s=4
